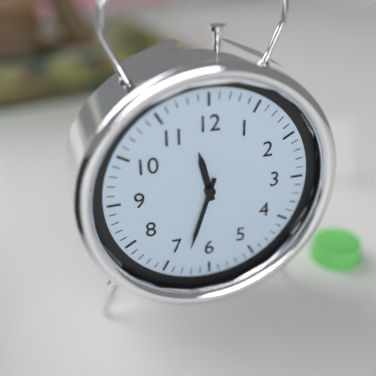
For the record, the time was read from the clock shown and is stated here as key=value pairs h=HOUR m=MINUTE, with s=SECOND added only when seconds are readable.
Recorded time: h=11 m=33
